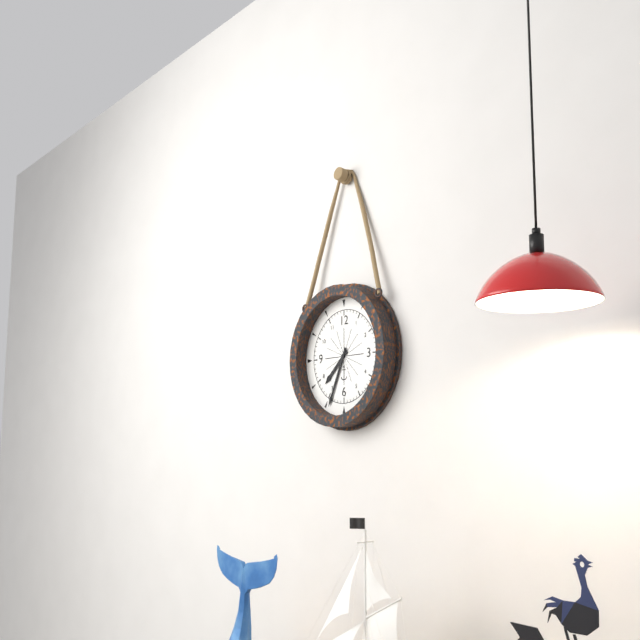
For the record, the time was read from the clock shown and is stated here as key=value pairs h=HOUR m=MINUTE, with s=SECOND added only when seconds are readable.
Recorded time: h=7 m=34
